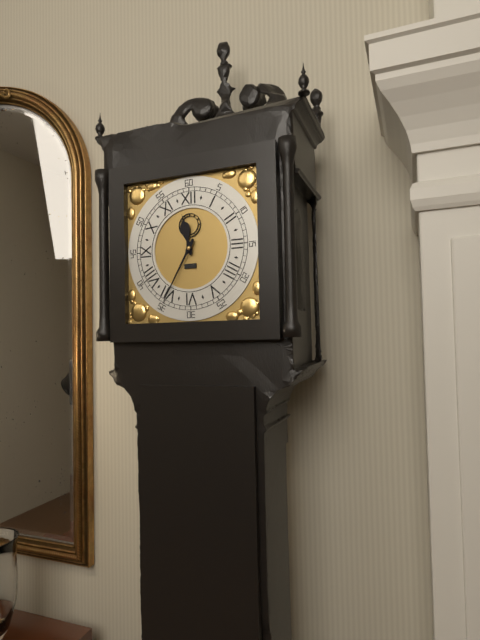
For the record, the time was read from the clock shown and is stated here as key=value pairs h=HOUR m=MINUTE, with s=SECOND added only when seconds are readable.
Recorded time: h=11 m=35
